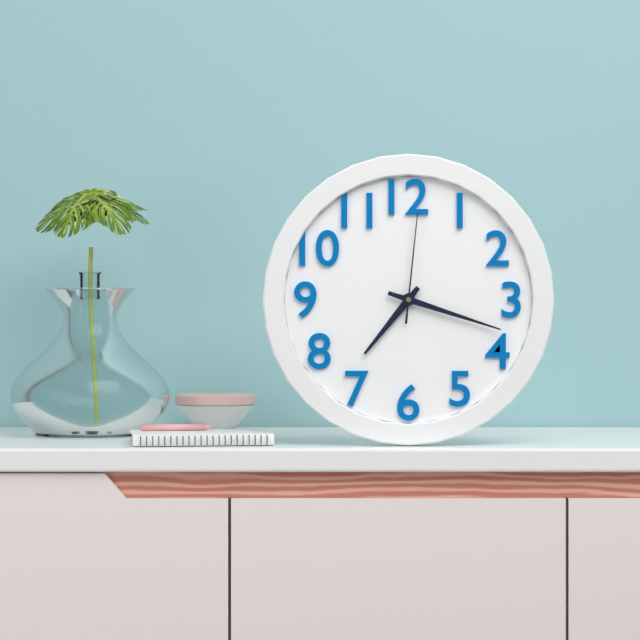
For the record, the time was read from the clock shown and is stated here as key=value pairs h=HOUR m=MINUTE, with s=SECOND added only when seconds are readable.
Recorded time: h=7 m=18 s=1
